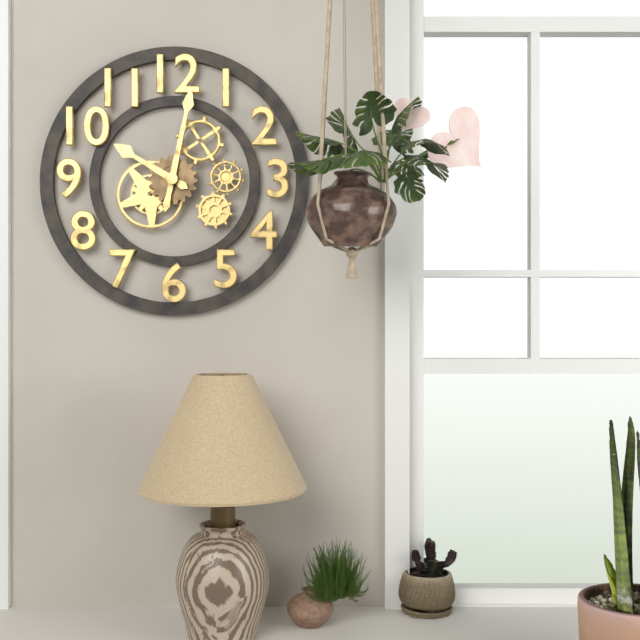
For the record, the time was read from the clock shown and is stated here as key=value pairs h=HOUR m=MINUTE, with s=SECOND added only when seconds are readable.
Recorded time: h=10 m=2
